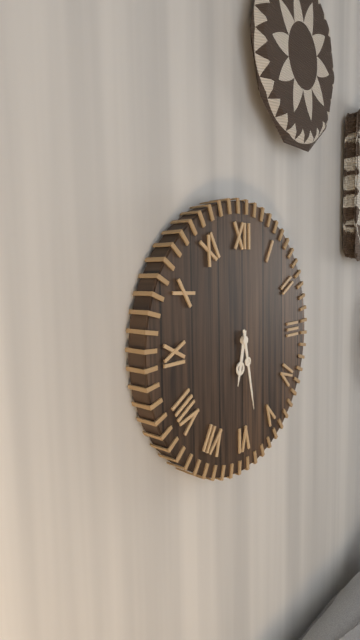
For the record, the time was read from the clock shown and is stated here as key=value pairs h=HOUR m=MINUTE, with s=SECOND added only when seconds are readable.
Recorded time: h=6 m=28
